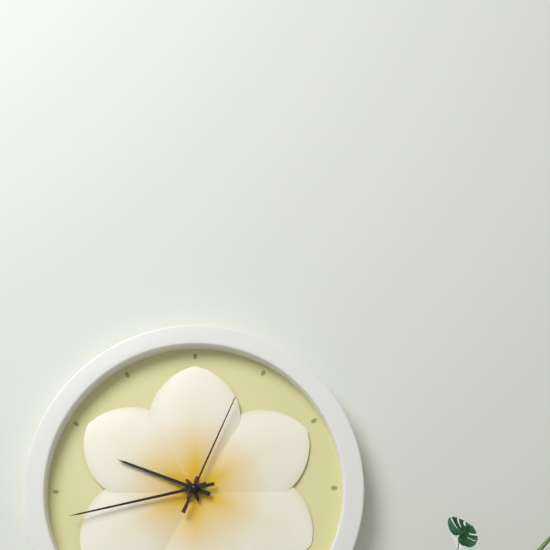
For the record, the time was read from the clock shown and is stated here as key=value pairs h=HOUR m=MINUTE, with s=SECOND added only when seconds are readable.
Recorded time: h=9 m=43 s=4
